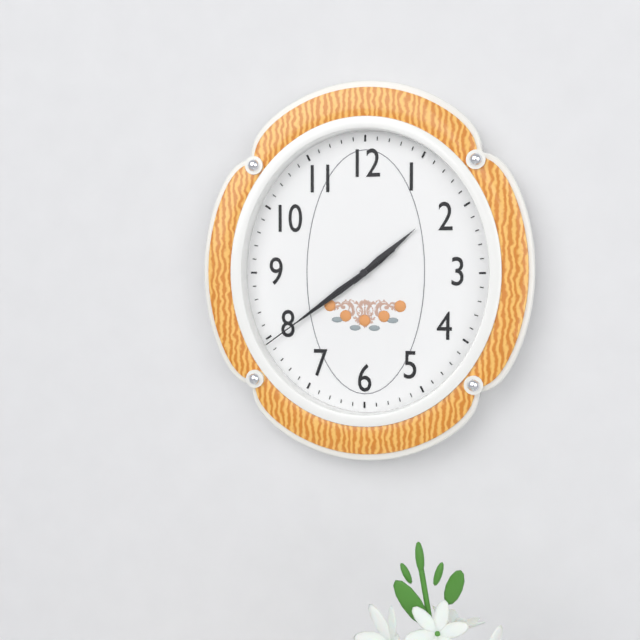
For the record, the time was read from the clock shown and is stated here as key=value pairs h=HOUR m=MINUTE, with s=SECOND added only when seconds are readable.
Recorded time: h=1 m=39 s=39
